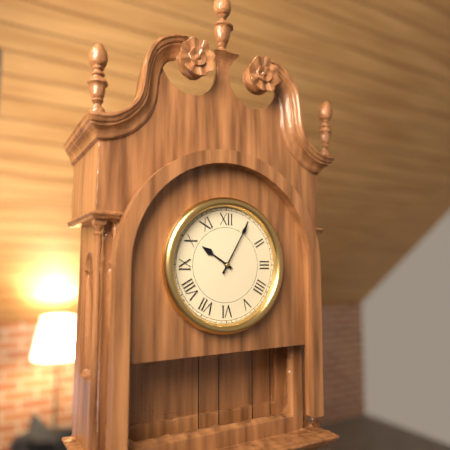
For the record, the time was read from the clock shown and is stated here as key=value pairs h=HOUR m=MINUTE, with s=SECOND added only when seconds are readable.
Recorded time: h=10 m=5
